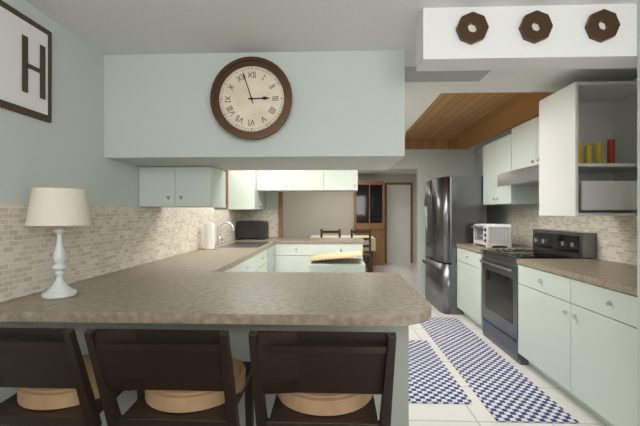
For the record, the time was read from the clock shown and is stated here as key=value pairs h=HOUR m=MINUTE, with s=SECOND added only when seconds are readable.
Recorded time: h=2 m=57
